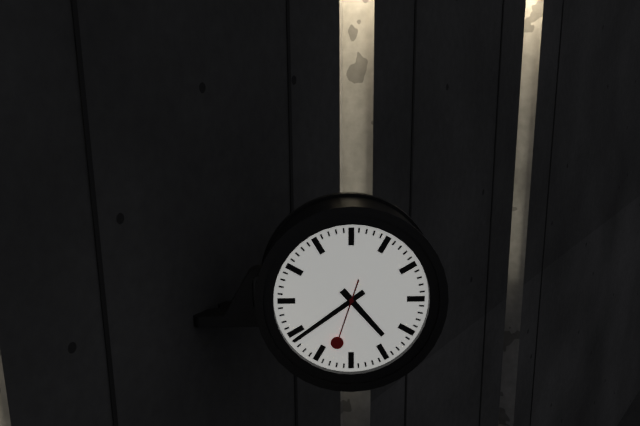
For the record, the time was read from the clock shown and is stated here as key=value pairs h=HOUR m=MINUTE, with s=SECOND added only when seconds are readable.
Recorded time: h=4 m=39 s=33
